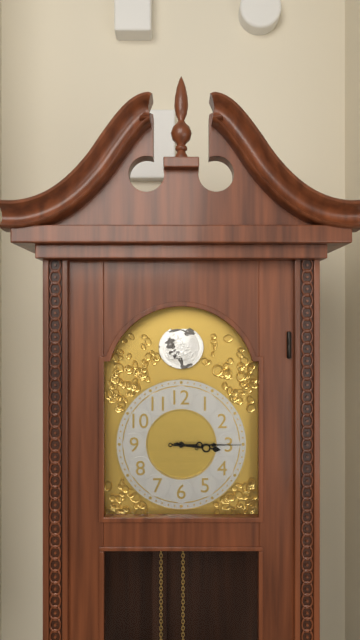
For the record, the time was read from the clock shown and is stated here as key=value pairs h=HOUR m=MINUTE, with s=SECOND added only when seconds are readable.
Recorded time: h=3 m=15
